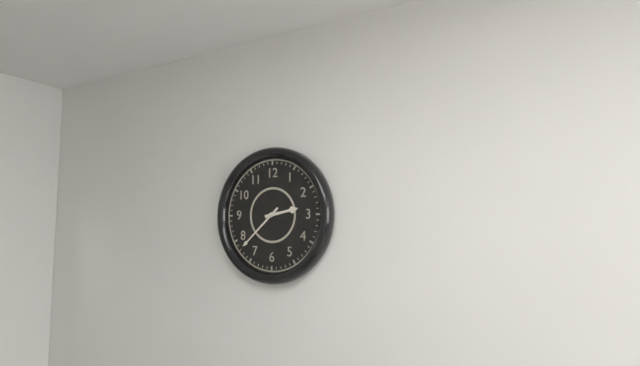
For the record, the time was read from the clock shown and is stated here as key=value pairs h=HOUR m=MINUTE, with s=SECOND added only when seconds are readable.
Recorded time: h=2 m=38
